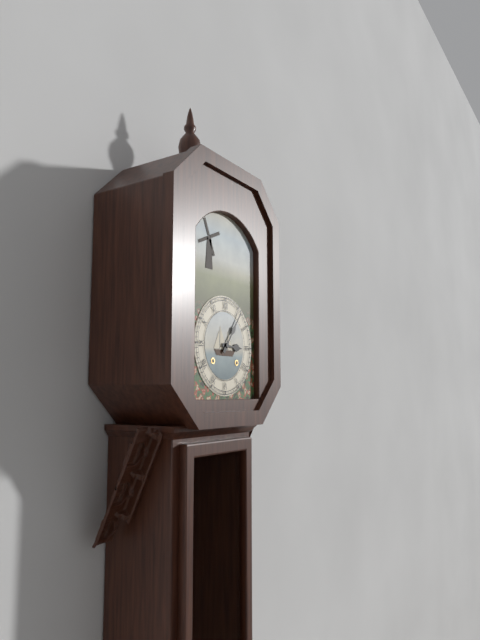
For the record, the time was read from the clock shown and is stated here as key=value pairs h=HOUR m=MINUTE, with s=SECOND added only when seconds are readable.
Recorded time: h=3 m=6
